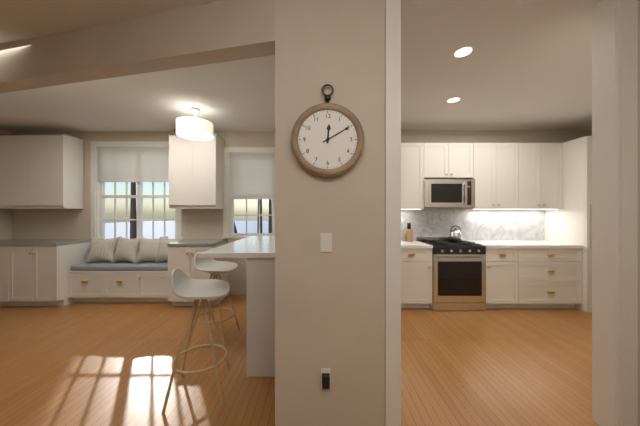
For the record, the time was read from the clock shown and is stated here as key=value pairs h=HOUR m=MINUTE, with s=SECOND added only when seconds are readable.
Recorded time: h=12 m=10
